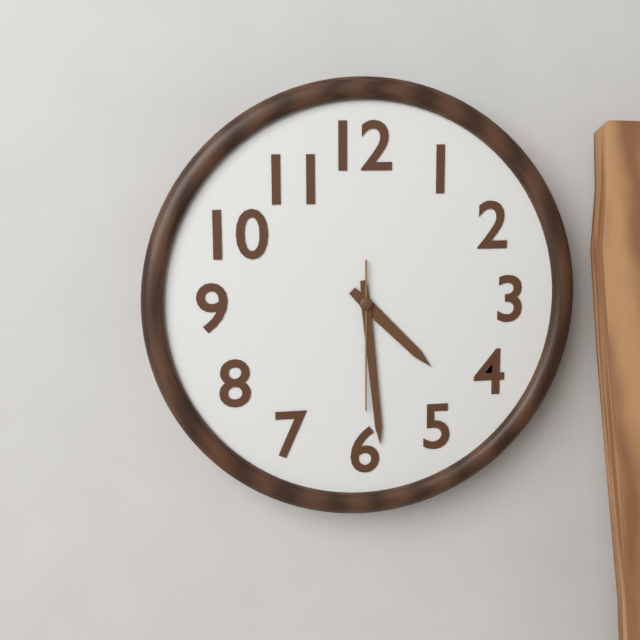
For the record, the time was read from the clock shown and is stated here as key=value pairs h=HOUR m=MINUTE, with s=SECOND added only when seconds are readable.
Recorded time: h=4 m=29 s=30
